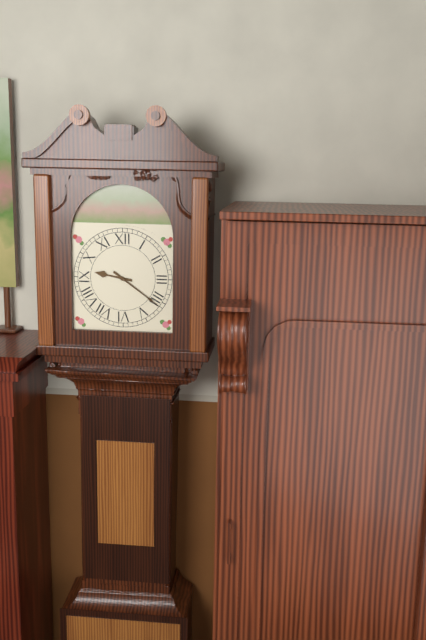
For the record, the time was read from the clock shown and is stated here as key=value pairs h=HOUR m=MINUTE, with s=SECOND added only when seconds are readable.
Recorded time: h=9 m=21
